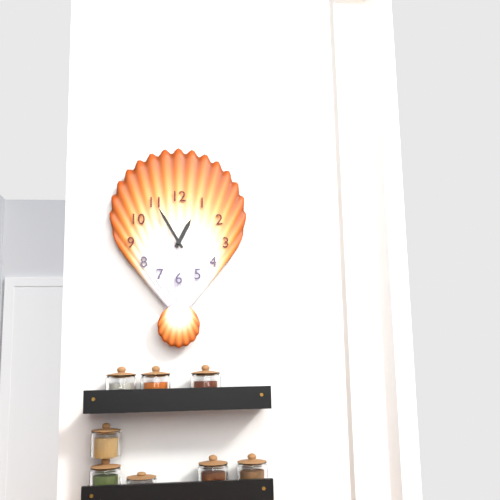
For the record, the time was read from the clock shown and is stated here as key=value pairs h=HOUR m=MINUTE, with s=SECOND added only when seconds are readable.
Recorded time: h=12 m=55
